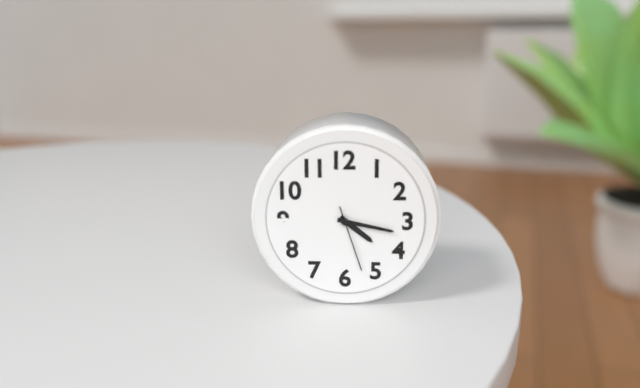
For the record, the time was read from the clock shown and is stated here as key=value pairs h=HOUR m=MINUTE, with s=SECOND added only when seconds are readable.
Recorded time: h=4 m=17 s=27
